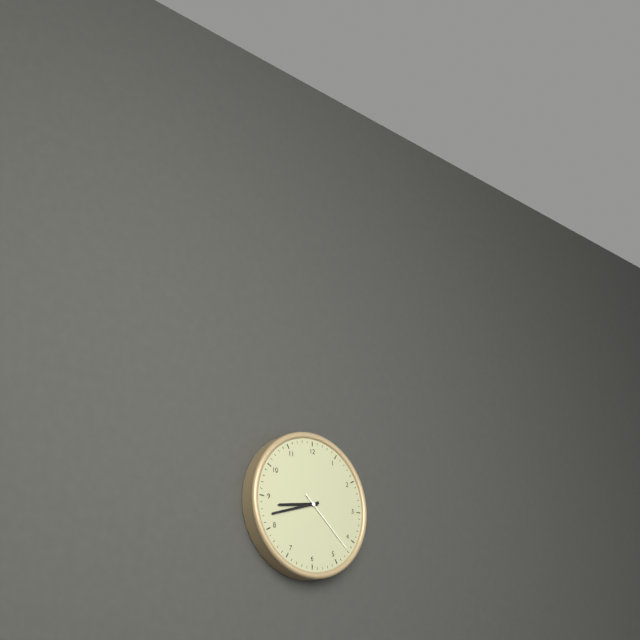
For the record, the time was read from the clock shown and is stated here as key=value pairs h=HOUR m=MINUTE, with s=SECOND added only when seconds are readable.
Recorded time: h=8 m=42 s=22
